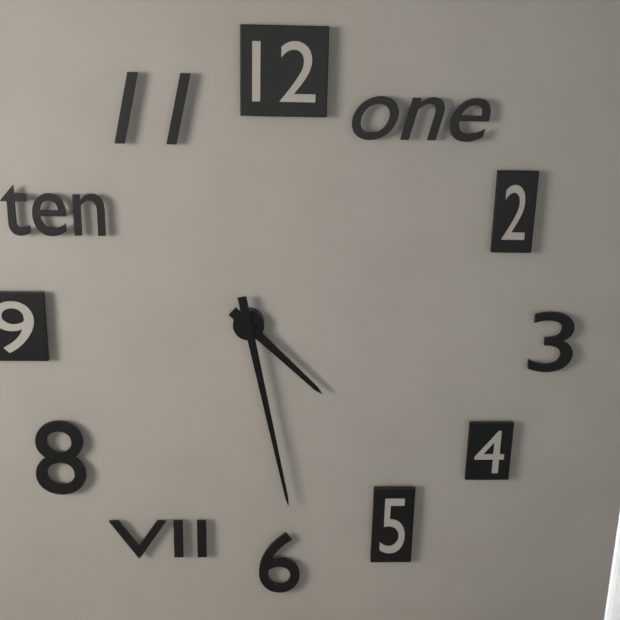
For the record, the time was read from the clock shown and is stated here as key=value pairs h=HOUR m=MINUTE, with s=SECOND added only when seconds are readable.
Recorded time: h=4 m=28
